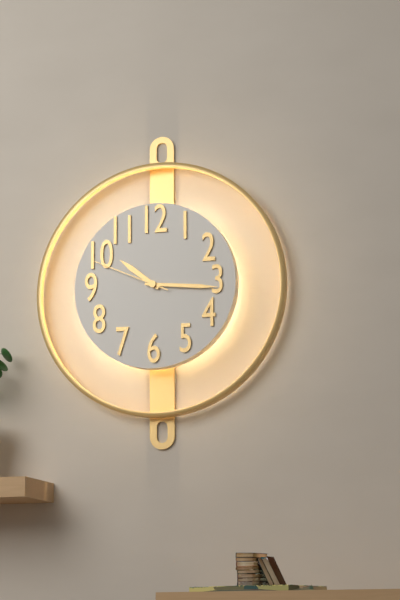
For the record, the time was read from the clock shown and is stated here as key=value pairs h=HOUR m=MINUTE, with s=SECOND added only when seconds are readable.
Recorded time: h=10 m=16 s=49
